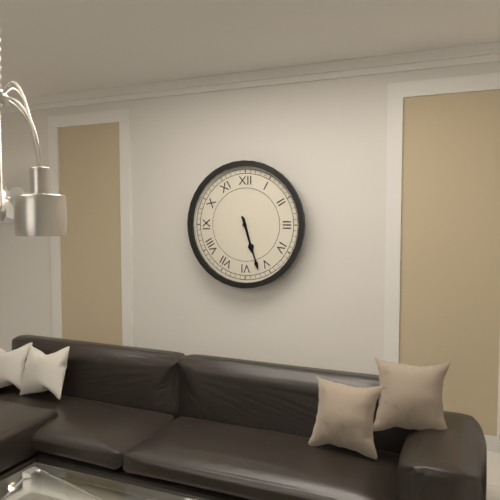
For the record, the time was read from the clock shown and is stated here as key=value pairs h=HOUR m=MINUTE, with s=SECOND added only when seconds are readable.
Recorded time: h=5 m=27
